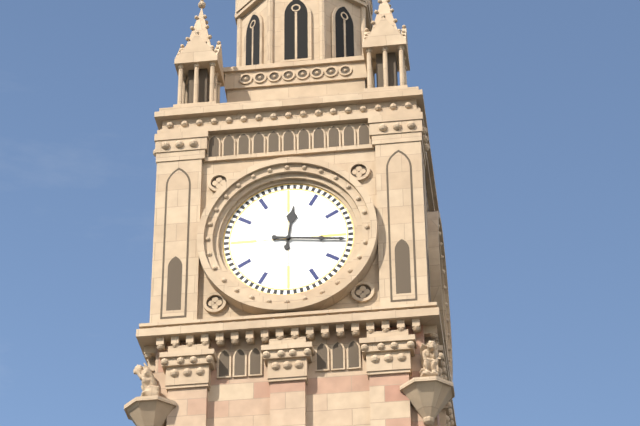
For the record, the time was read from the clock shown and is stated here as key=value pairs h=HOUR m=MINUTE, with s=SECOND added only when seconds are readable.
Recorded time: h=12 m=16
